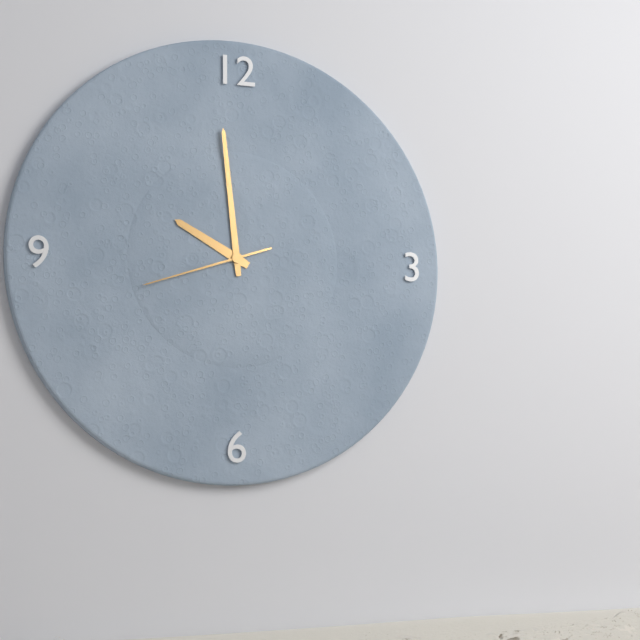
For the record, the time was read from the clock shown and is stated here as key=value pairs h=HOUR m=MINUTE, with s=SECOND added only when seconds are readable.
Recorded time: h=9 m=59 s=42
